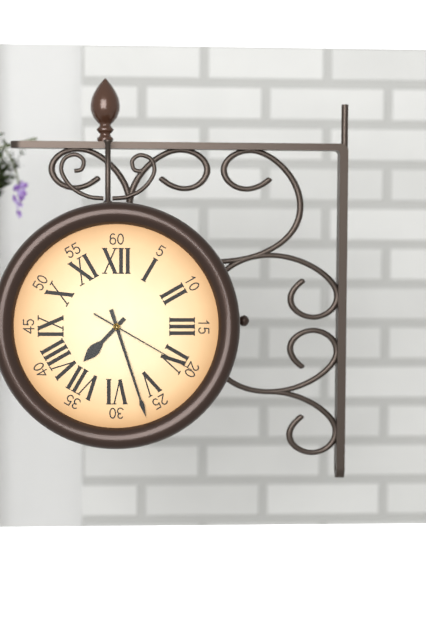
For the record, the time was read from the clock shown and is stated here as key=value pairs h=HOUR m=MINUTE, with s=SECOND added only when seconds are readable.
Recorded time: h=7 m=27 s=20
